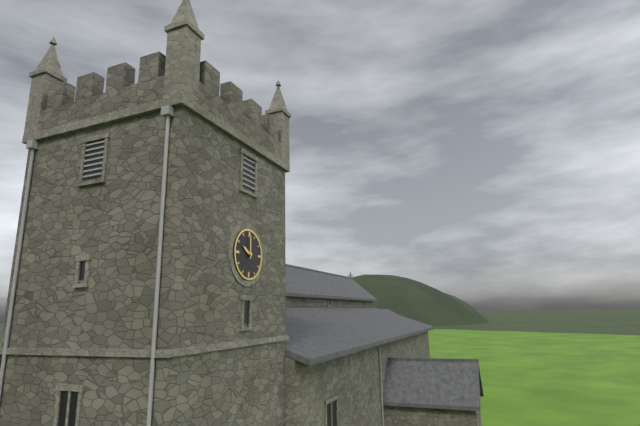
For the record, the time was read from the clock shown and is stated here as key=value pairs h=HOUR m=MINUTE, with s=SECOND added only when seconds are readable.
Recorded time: h=10 m=0
